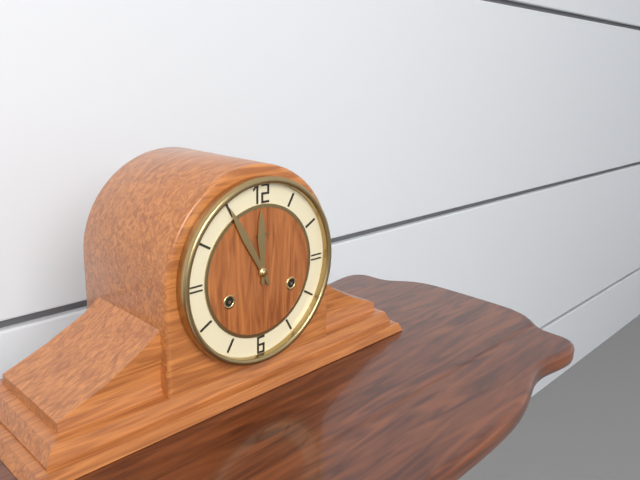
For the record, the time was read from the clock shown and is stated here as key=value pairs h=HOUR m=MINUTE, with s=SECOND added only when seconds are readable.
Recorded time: h=11 m=55
